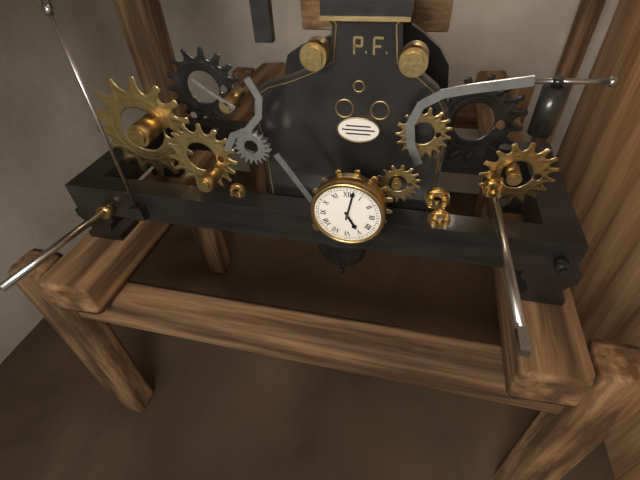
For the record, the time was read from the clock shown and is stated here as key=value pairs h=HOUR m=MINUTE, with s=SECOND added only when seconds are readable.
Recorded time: h=5 m=2
